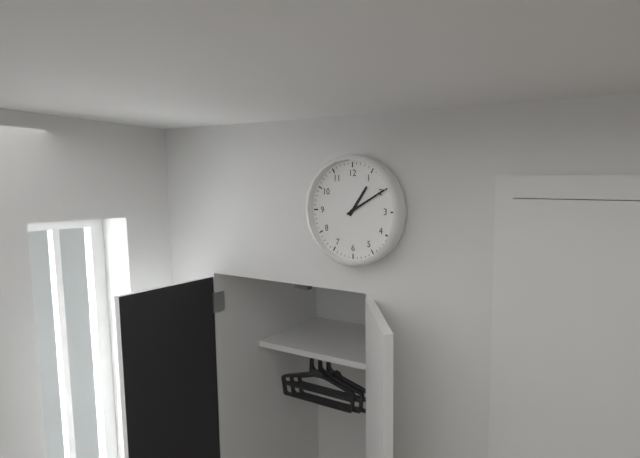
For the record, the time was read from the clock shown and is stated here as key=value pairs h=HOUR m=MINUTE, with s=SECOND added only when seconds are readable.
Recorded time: h=1 m=10
